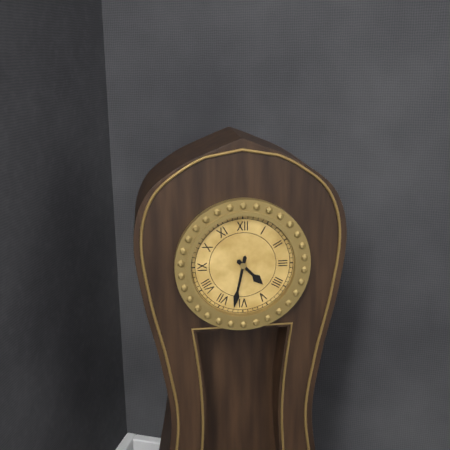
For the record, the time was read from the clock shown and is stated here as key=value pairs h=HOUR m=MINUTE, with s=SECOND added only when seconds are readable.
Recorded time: h=4 m=32
